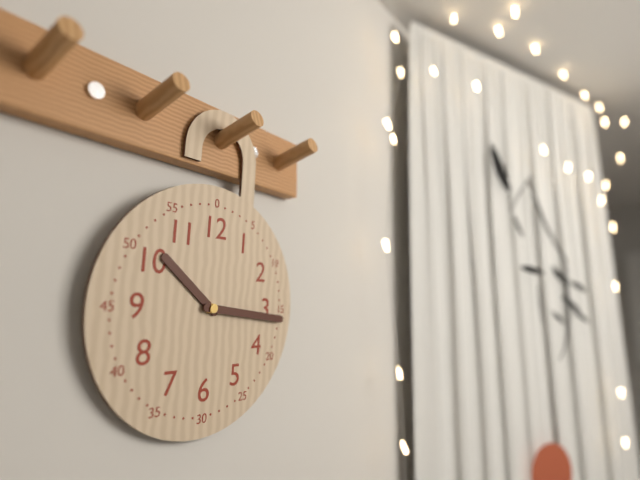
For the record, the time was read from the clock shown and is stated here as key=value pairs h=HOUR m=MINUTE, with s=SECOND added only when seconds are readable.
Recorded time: h=10 m=16
